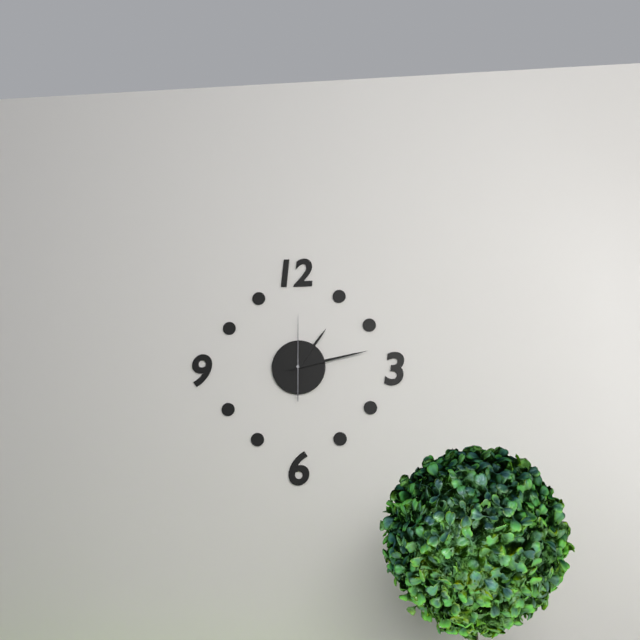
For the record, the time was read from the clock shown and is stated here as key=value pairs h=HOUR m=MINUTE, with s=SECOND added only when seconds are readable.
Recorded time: h=1 m=13 s=0
